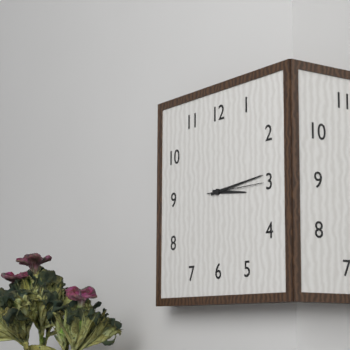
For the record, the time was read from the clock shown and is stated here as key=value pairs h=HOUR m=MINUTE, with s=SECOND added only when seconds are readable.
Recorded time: h=3 m=14 s=15
